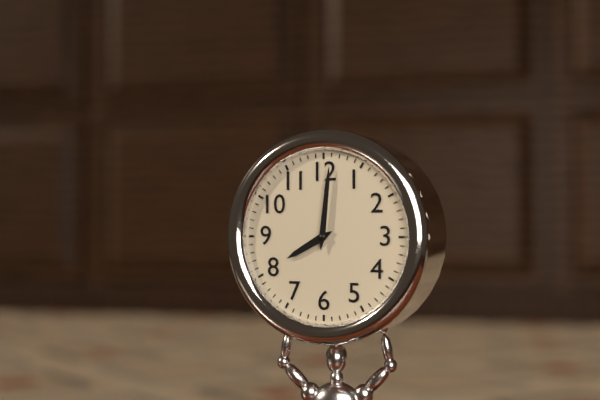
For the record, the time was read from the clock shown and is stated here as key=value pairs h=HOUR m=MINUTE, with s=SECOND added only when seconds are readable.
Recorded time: h=8 m=1
